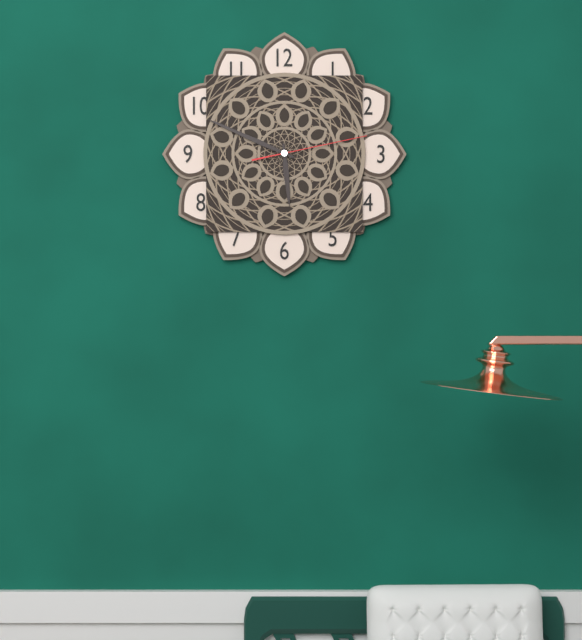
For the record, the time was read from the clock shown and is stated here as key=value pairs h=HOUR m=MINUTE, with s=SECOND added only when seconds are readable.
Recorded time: h=5 m=49 s=13
